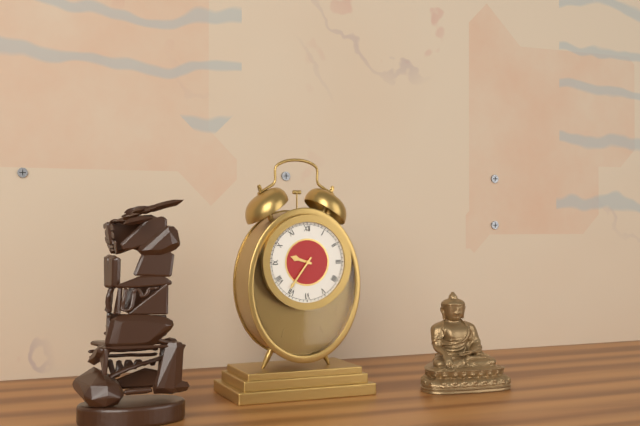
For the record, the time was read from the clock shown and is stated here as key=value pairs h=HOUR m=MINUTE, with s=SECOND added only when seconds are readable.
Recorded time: h=9 m=36
